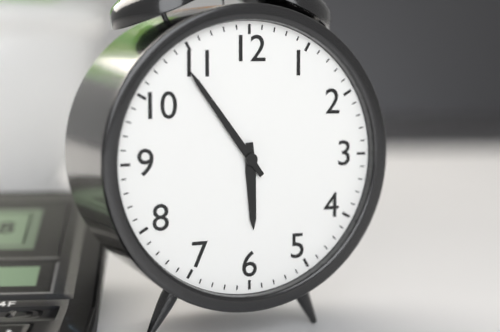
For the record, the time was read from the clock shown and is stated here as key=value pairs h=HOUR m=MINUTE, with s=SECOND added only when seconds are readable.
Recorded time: h=5 m=54
